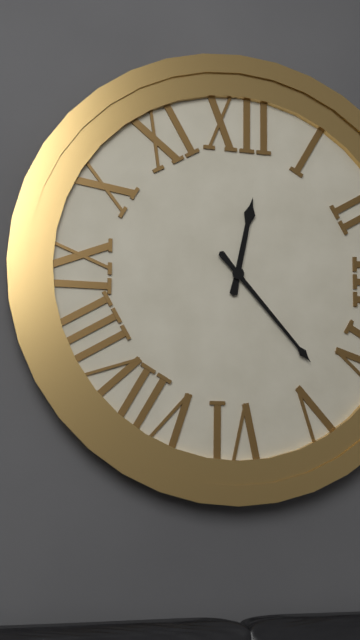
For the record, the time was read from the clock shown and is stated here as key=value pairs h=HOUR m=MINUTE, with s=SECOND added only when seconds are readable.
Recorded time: h=12 m=23
